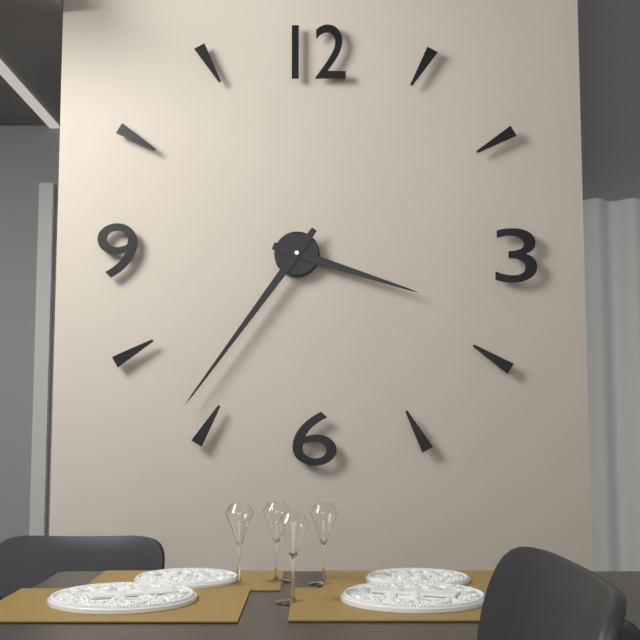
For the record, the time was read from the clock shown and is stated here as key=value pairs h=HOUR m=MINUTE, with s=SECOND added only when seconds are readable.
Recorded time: h=3 m=36
